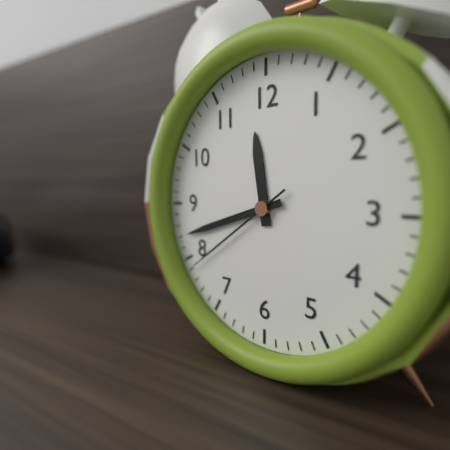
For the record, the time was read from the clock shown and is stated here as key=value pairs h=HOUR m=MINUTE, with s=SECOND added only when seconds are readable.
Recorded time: h=11 m=42 s=39
